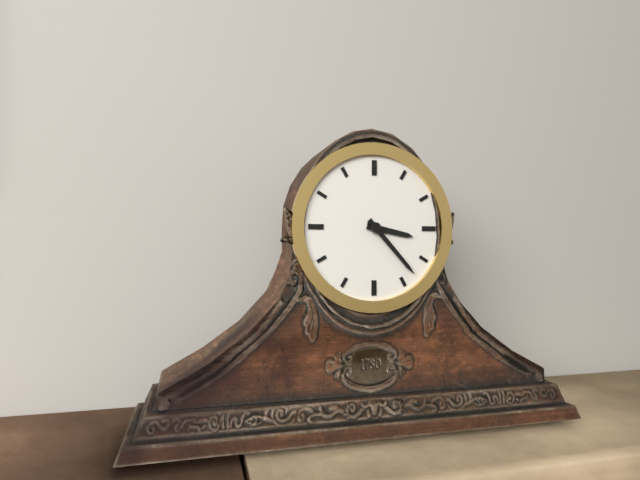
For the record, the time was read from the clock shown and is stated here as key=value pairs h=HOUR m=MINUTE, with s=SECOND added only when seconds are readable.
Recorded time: h=3 m=23
